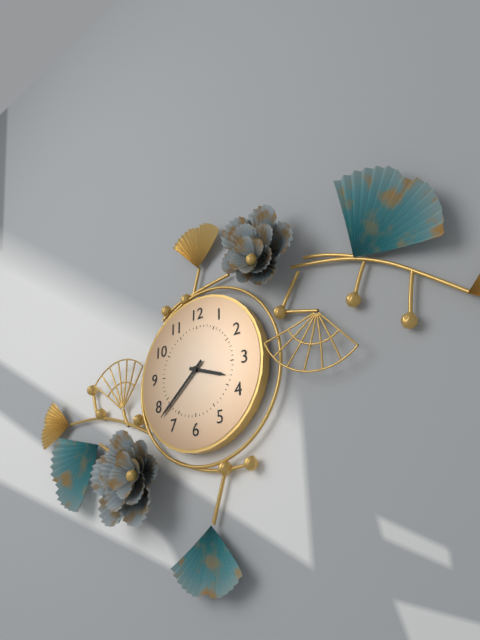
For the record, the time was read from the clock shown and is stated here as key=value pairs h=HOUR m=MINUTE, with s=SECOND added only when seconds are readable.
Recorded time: h=3 m=38
